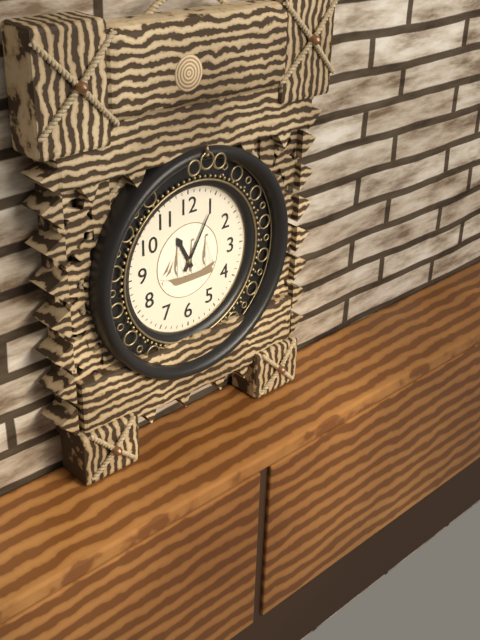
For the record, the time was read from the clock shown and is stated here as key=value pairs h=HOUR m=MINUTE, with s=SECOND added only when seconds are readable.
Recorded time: h=11 m=5
